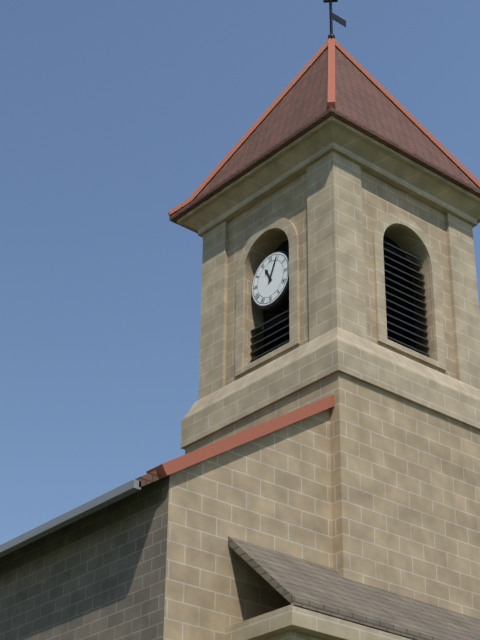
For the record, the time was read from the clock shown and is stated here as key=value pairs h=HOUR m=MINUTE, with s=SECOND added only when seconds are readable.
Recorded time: h=11 m=4
